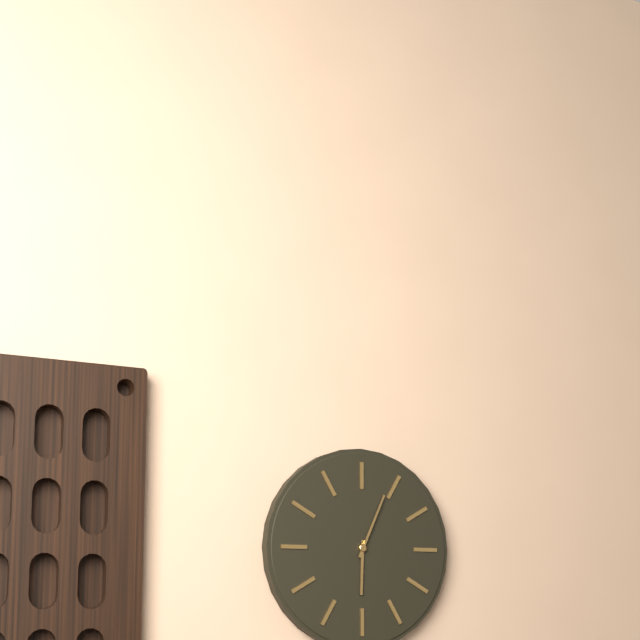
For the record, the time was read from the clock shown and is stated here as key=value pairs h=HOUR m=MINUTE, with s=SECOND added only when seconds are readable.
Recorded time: h=6 m=4
